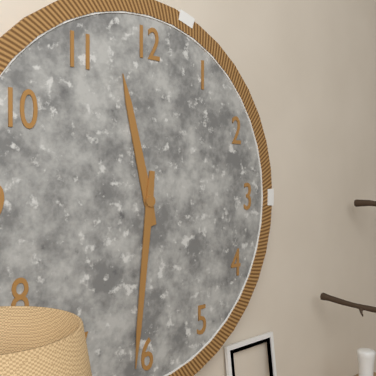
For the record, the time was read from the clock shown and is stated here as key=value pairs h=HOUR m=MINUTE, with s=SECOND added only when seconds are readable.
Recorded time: h=11 m=31
